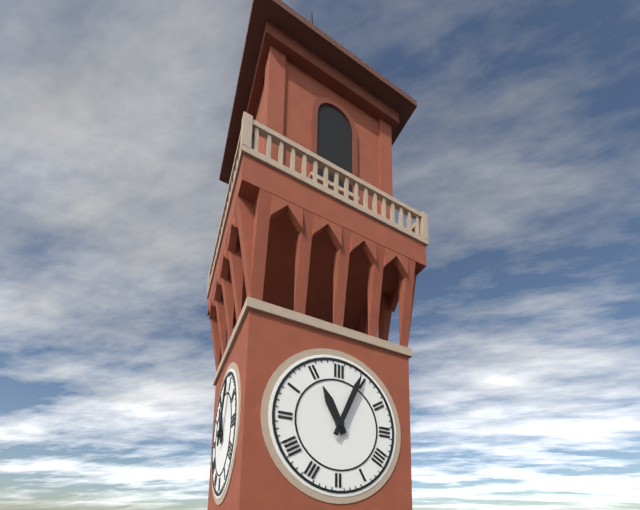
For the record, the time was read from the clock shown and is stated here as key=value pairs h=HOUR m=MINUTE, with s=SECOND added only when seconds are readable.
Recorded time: h=11 m=4
